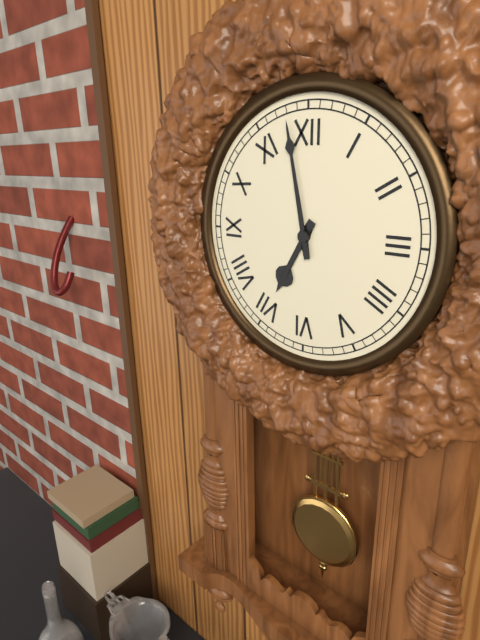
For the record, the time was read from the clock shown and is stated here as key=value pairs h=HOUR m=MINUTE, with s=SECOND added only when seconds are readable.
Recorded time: h=6 m=58
